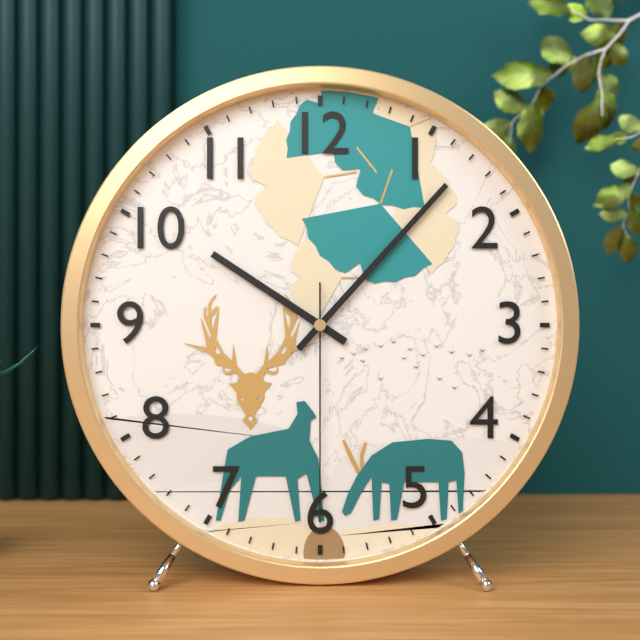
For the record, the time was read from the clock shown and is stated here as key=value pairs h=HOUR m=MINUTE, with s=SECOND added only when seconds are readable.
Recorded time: h=10 m=7 s=30
